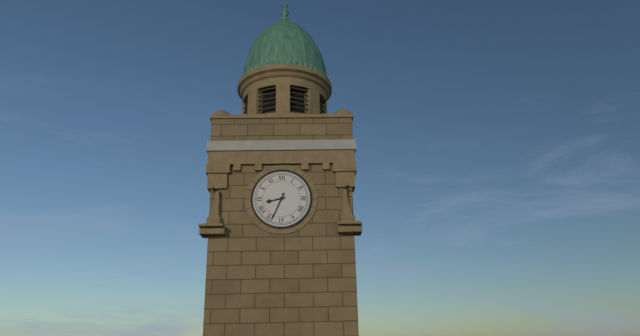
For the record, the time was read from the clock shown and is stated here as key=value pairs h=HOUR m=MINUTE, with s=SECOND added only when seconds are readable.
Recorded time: h=8 m=34
